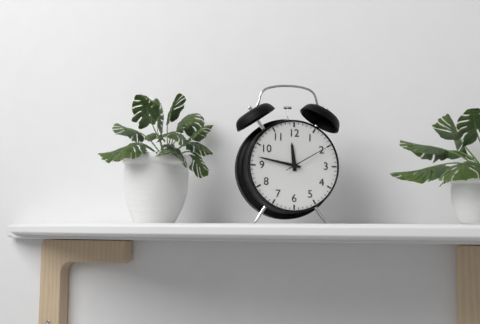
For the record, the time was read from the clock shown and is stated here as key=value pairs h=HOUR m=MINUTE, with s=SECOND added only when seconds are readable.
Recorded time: h=11 m=47
